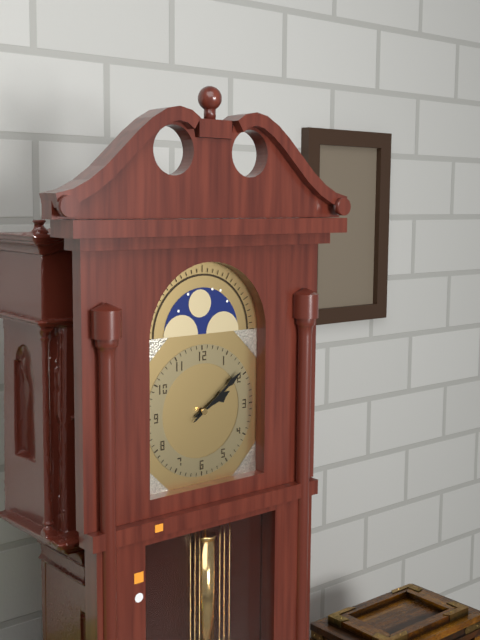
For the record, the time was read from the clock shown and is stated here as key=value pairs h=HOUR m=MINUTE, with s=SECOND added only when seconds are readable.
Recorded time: h=2 m=9
